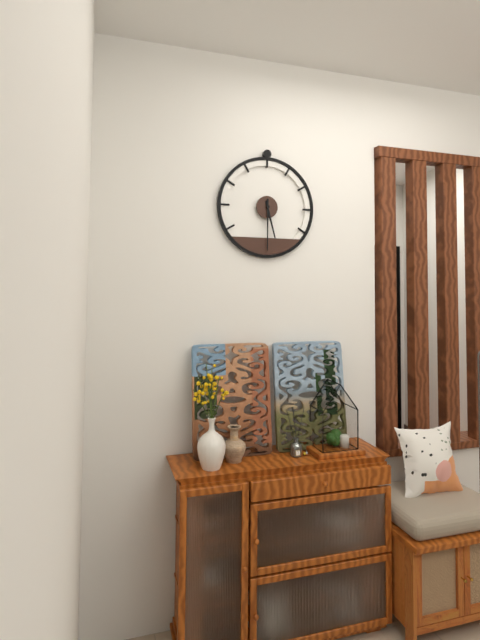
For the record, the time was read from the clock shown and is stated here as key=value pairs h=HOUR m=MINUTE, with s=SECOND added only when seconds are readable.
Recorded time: h=5 m=30
